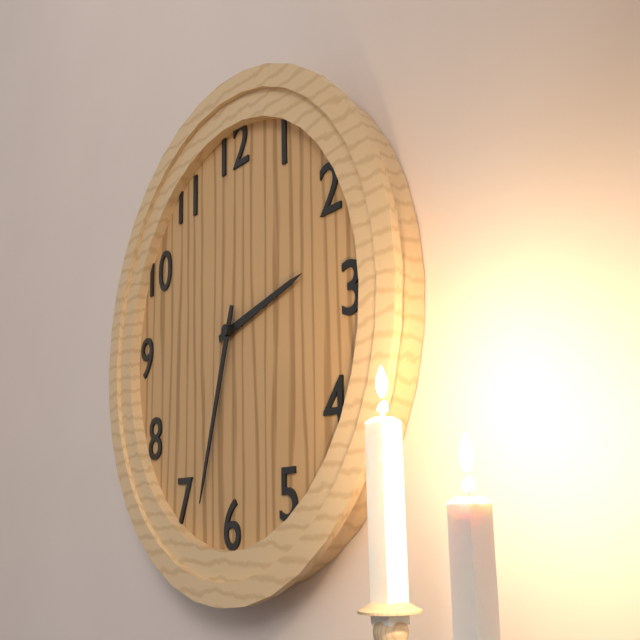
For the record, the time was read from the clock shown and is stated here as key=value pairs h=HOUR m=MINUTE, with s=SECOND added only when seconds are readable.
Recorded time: h=2 m=33
